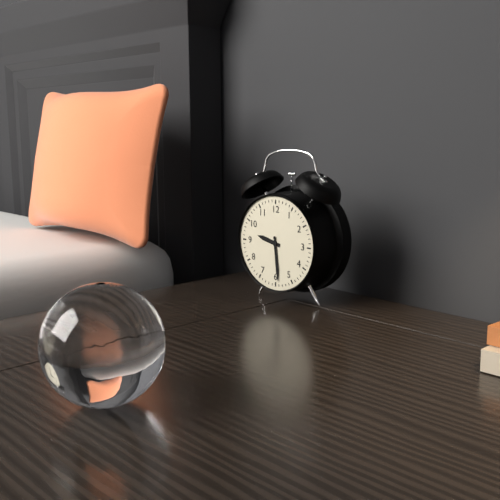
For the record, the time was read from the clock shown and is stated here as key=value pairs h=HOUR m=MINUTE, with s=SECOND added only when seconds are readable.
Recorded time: h=9 m=29
